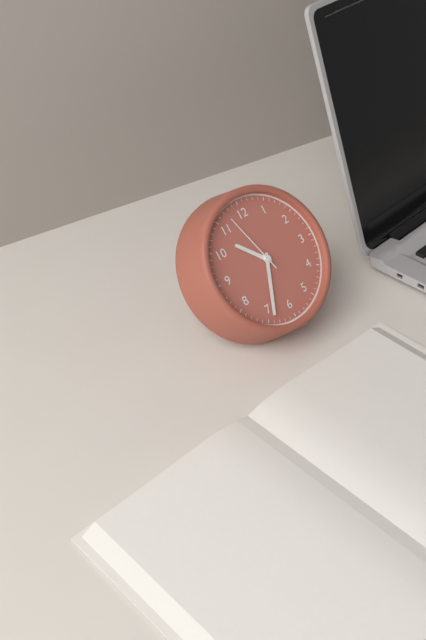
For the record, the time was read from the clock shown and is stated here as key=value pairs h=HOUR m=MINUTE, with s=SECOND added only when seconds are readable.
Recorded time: h=10 m=34 s=57
